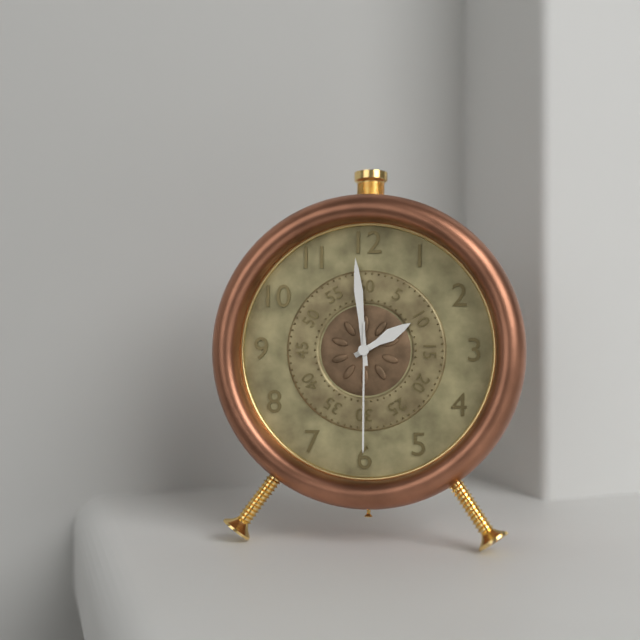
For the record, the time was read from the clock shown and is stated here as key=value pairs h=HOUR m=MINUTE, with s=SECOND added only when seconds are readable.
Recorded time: h=1 m=59 s=30
